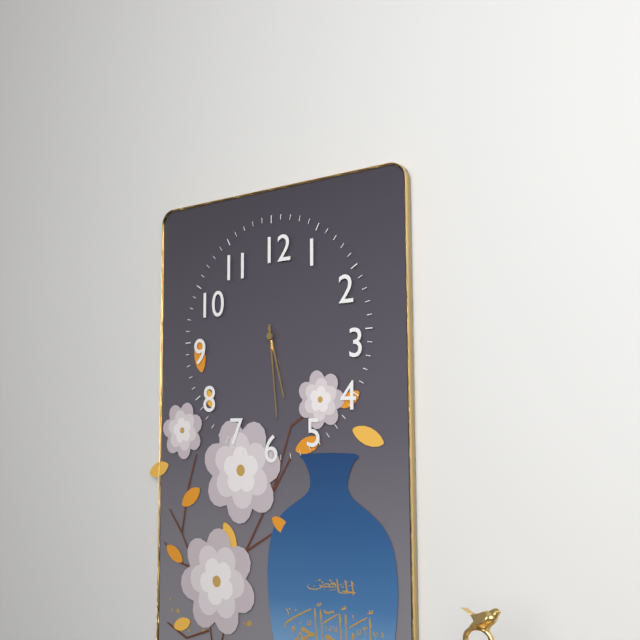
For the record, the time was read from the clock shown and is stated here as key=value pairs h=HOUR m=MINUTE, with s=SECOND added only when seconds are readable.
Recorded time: h=5 m=29
